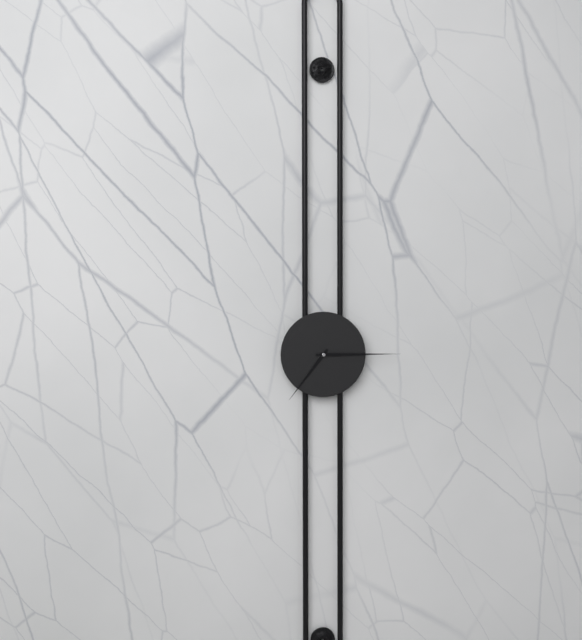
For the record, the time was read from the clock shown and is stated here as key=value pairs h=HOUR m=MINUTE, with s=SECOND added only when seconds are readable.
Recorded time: h=7 m=15
